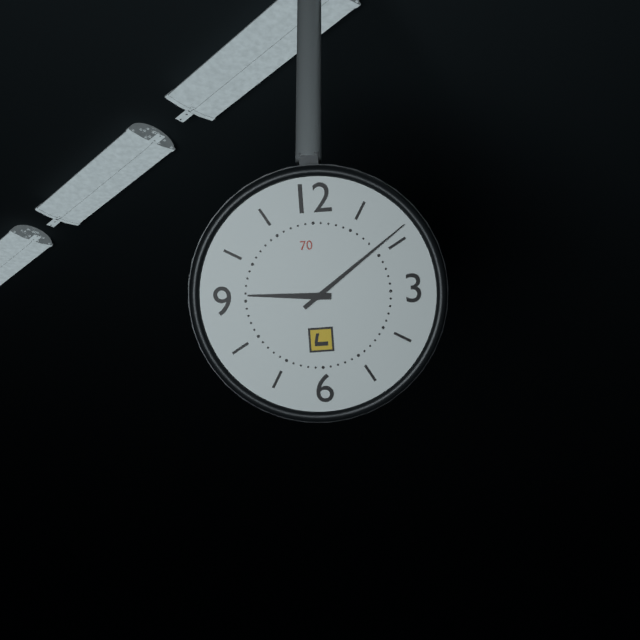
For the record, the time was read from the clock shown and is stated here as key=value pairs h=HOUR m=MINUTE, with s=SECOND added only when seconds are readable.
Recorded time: h=9 m=9
